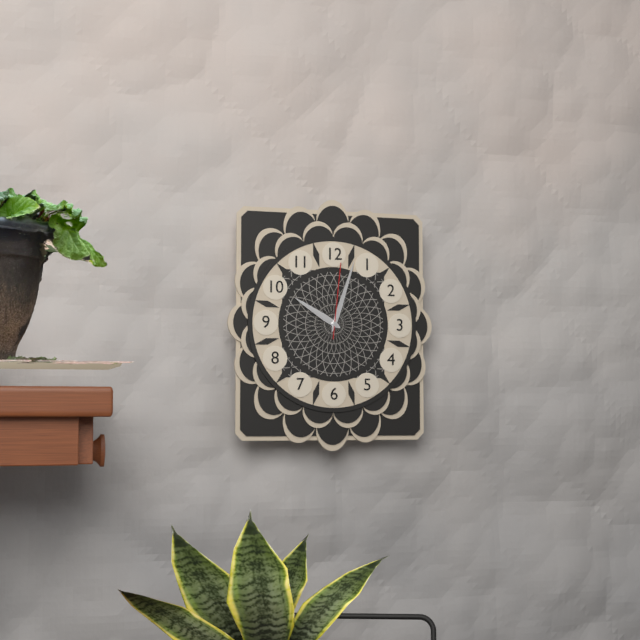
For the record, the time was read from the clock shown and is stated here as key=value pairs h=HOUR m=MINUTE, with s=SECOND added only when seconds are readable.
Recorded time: h=10 m=3 s=1
